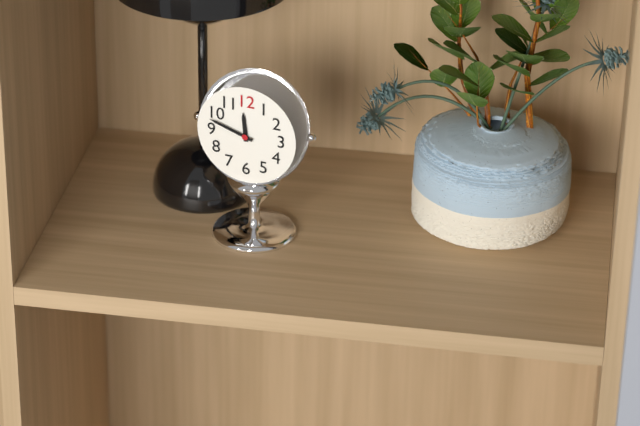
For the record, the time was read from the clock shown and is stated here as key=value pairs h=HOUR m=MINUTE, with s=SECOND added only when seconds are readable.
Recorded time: h=11 m=48
